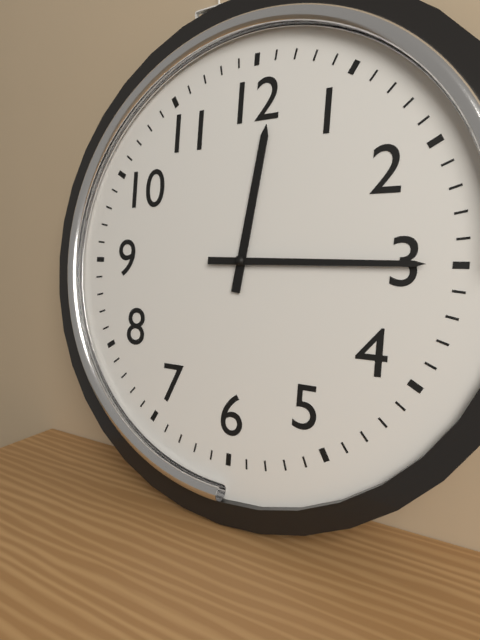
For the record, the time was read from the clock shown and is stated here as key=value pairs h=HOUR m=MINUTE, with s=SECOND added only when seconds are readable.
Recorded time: h=12 m=15
